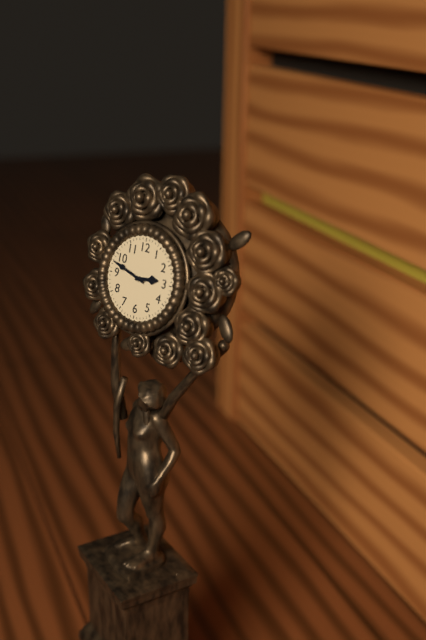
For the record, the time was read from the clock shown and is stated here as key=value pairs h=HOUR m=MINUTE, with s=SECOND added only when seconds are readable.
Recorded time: h=2 m=48
